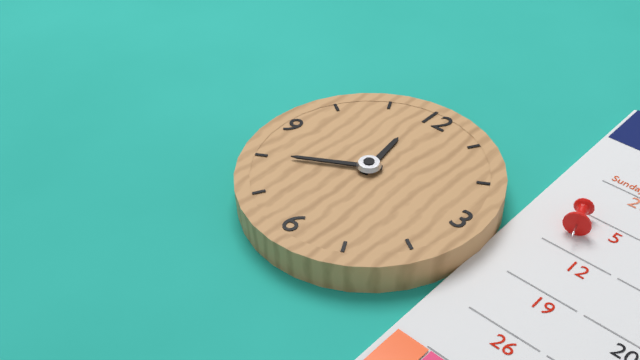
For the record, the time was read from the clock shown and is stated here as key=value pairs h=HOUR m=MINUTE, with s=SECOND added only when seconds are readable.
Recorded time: h=11 m=40
